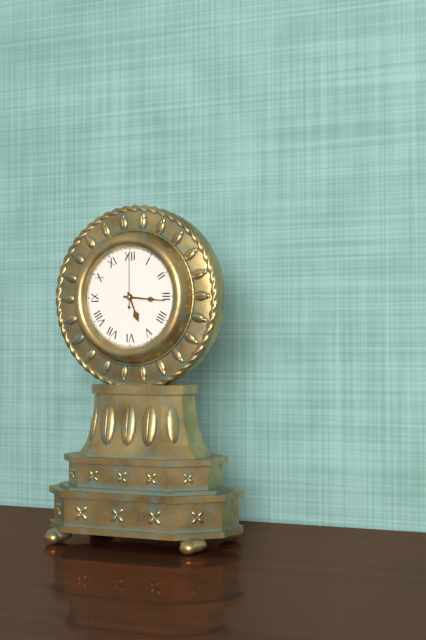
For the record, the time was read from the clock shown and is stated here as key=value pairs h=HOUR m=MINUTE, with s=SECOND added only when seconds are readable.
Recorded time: h=5 m=16 s=0
